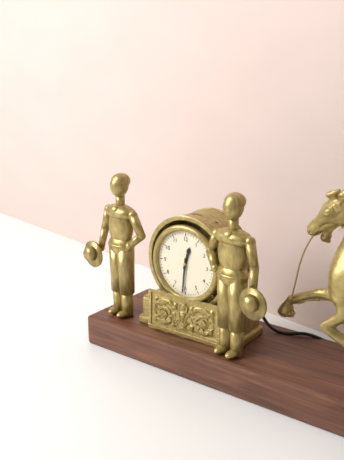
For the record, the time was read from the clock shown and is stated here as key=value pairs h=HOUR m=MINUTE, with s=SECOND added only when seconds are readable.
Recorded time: h=12 m=31
